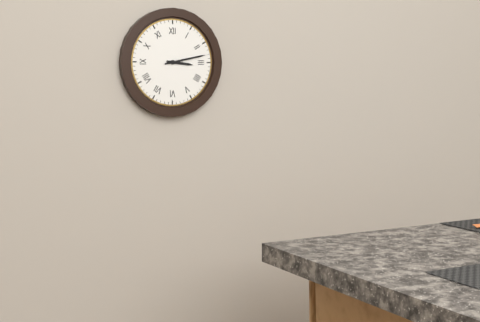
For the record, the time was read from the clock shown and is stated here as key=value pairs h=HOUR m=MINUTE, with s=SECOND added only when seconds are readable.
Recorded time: h=3 m=13
